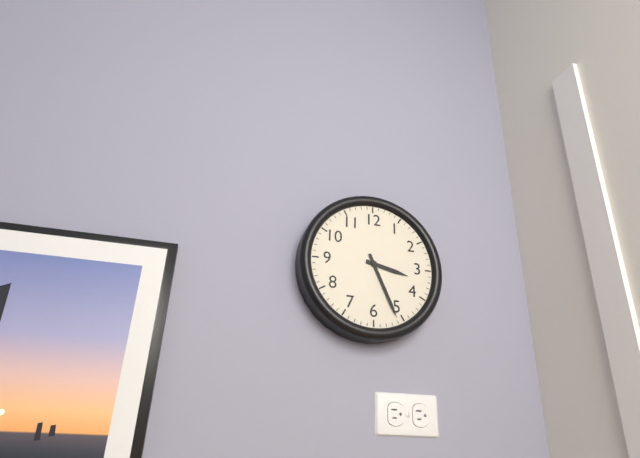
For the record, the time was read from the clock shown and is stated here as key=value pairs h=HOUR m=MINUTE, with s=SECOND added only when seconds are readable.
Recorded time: h=3 m=26
